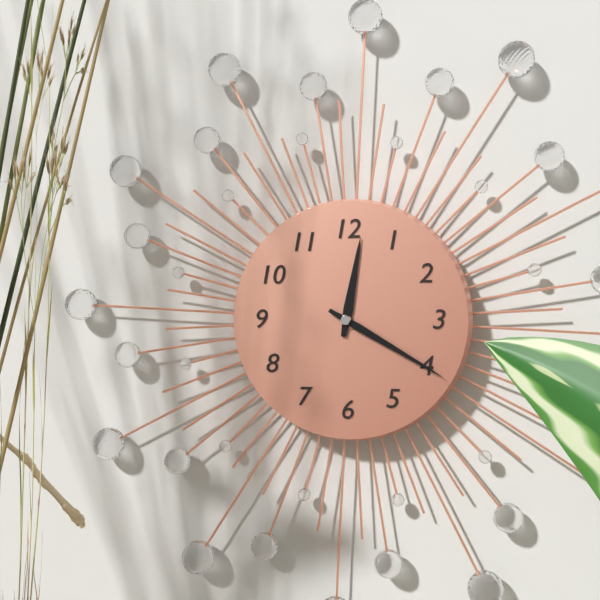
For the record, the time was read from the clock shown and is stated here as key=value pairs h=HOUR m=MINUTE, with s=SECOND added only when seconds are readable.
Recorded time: h=12 m=20
